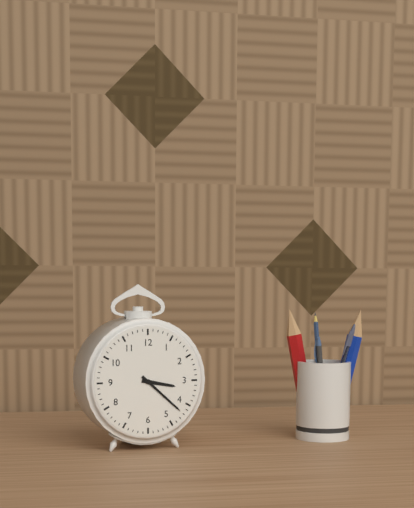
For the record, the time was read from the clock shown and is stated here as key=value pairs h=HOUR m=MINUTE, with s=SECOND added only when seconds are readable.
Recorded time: h=3 m=22
